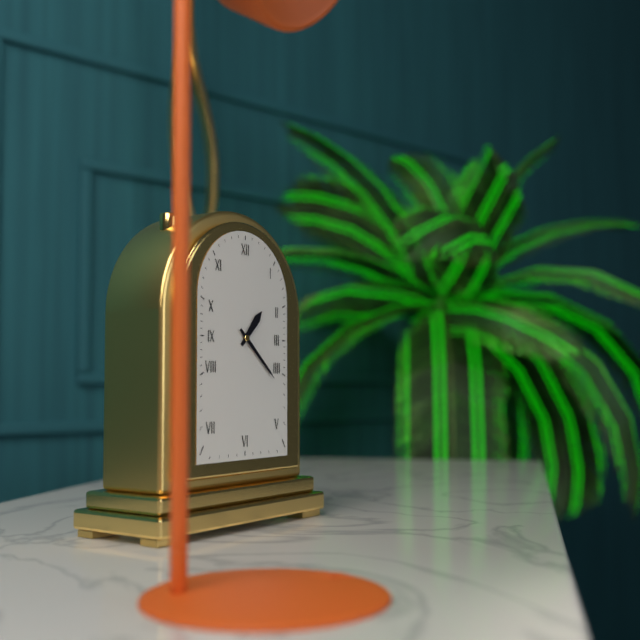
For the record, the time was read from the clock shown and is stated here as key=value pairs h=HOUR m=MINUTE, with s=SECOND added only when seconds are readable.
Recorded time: h=1 m=22
